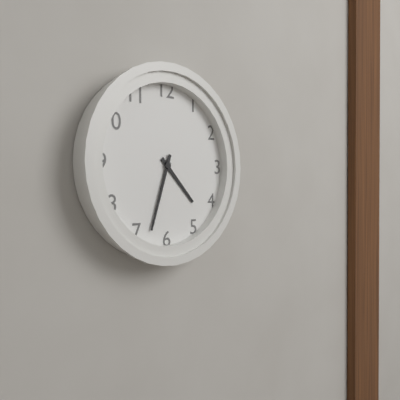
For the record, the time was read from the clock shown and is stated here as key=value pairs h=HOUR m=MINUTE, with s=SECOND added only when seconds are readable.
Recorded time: h=4 m=33
